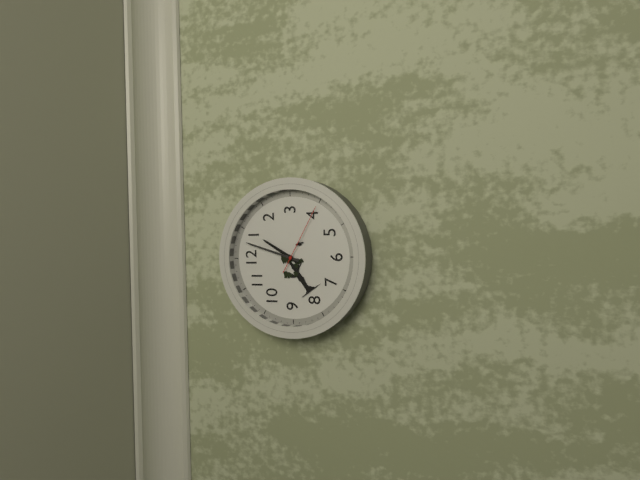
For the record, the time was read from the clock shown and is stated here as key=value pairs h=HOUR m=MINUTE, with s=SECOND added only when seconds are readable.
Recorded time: h=1 m=3 s=20
